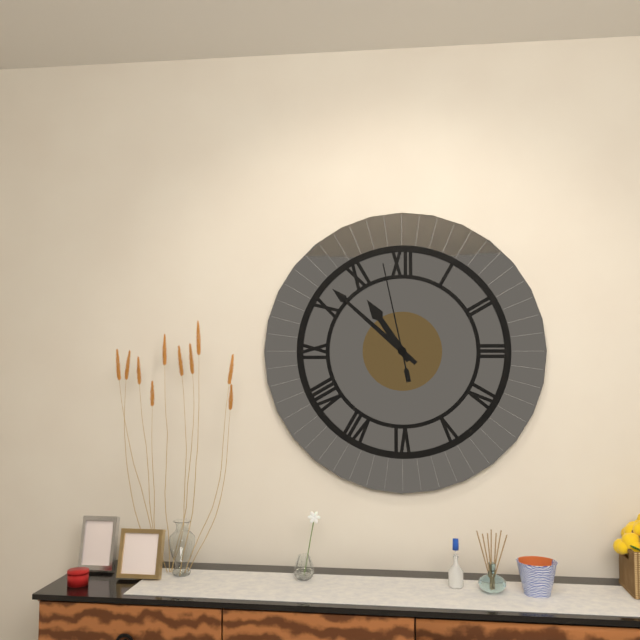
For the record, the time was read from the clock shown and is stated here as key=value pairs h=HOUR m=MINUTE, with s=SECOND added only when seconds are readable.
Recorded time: h=10 m=52 s=58
